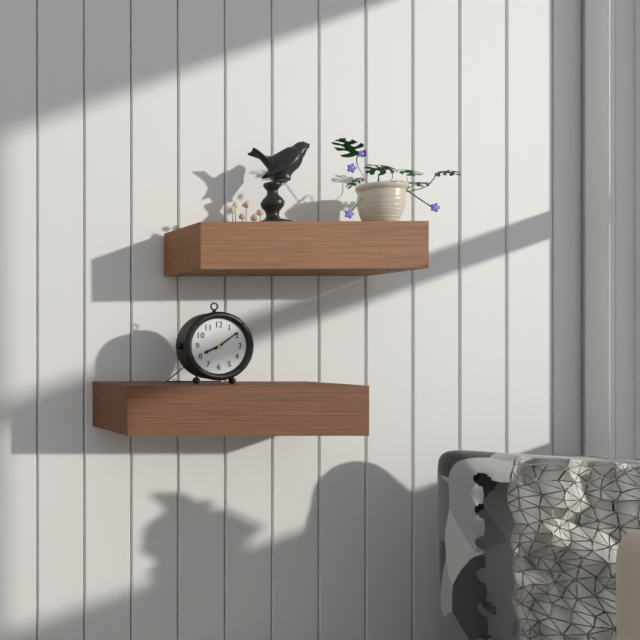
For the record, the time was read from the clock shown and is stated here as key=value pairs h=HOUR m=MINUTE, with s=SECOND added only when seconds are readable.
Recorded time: h=8 m=9
